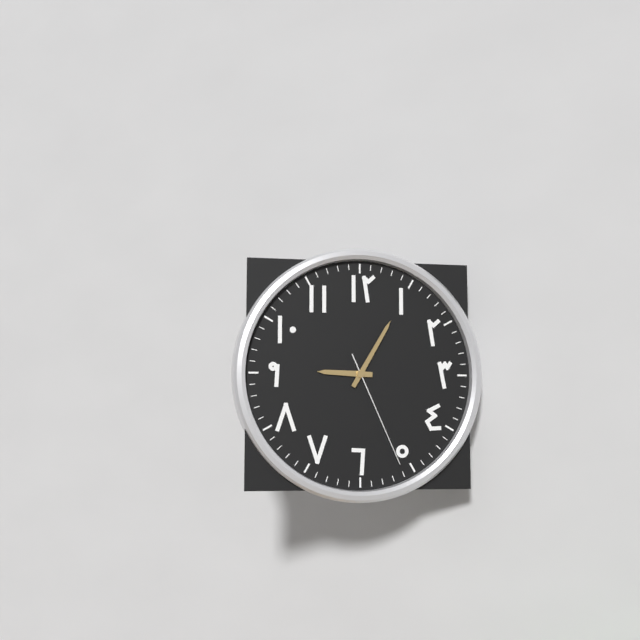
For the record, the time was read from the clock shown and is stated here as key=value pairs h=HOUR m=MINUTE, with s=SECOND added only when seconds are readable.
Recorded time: h=9 m=5 s=26
